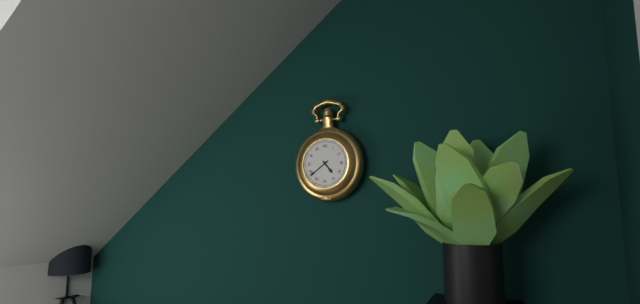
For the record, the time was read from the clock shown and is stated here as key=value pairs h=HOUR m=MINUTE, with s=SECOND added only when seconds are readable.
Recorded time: h=4 m=39
